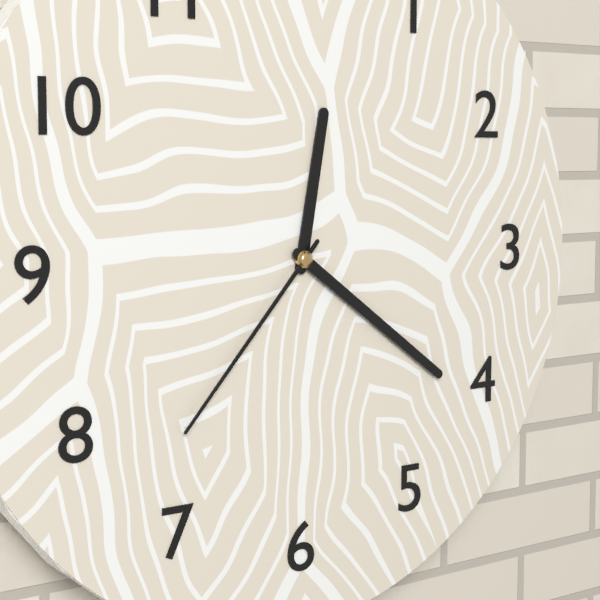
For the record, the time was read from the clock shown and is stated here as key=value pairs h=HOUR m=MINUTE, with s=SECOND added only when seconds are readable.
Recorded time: h=12 m=21 s=37
